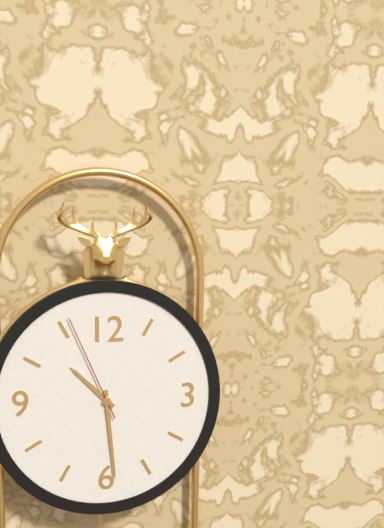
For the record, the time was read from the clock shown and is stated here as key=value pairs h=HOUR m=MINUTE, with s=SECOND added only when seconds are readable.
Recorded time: h=10 m=29 s=56
